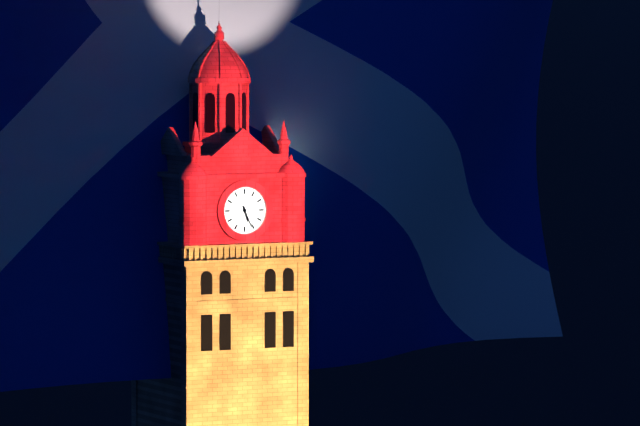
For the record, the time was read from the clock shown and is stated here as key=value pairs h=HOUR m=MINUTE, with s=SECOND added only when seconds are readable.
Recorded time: h=5 m=26
